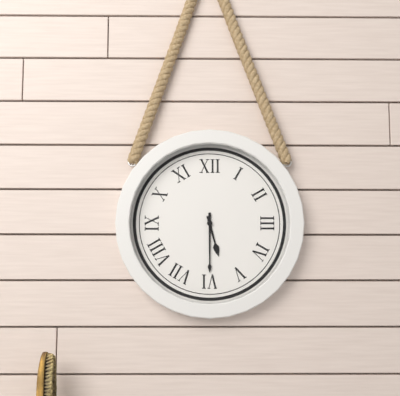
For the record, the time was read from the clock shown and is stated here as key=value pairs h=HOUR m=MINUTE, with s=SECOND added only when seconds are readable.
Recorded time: h=5 m=30
